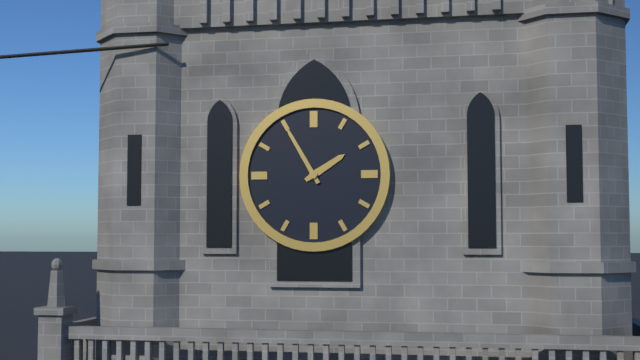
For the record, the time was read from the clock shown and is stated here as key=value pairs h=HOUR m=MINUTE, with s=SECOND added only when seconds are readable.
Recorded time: h=1 m=55
